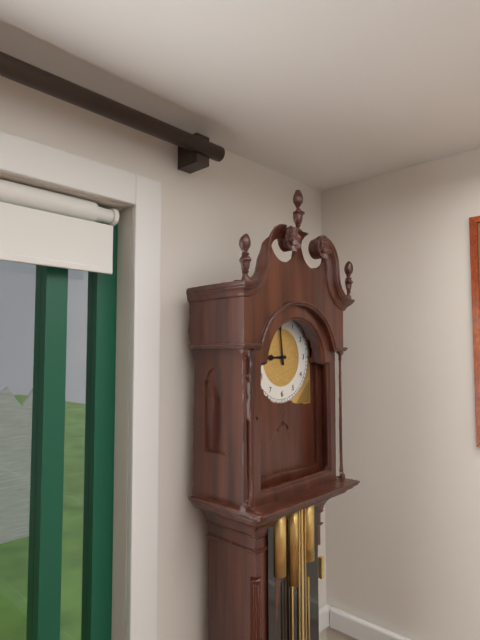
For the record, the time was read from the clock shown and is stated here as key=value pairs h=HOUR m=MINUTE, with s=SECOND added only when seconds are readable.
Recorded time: h=8 m=59
